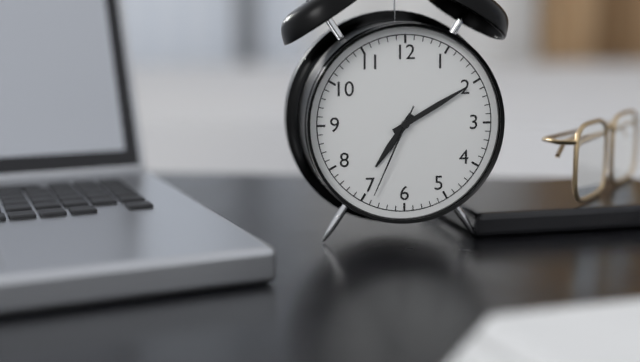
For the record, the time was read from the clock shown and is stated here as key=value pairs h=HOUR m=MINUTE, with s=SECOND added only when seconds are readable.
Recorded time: h=7 m=10 s=34
